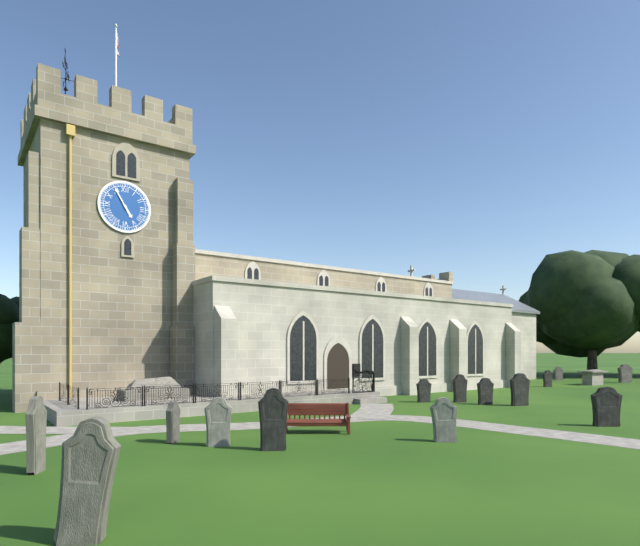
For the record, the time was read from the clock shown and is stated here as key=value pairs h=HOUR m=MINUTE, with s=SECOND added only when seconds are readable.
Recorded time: h=4 m=55
